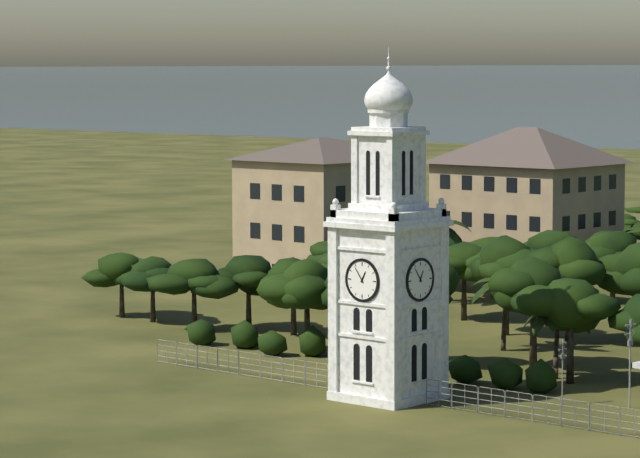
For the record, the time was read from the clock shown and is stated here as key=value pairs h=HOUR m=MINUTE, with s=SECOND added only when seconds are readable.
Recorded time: h=12 m=54
